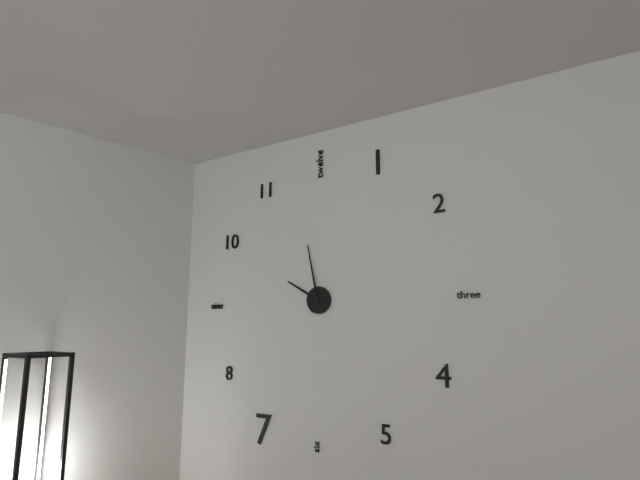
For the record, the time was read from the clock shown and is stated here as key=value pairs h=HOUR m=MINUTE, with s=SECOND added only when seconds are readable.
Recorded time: h=9 m=58
